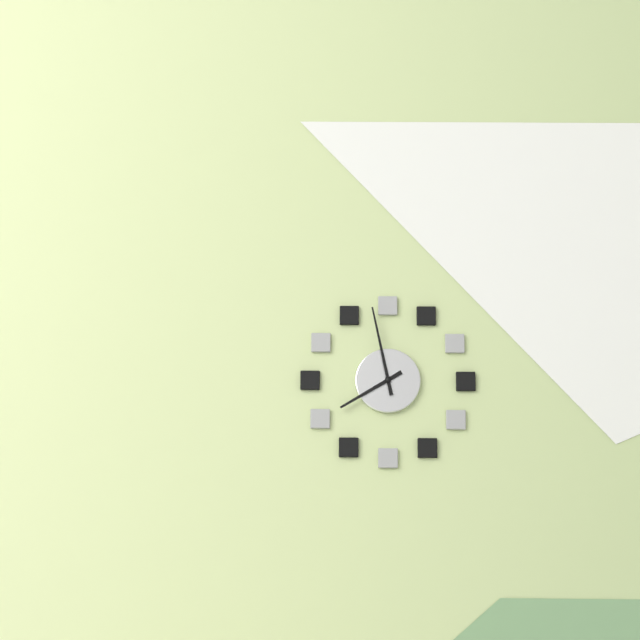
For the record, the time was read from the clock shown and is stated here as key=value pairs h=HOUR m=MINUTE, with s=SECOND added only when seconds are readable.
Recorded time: h=7 m=58
